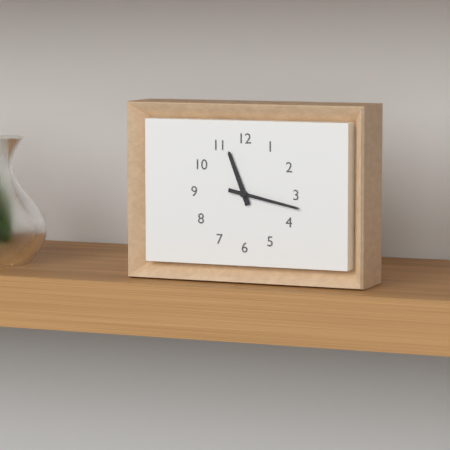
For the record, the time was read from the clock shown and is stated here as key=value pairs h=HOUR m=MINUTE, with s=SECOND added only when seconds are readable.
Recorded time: h=11 m=17
